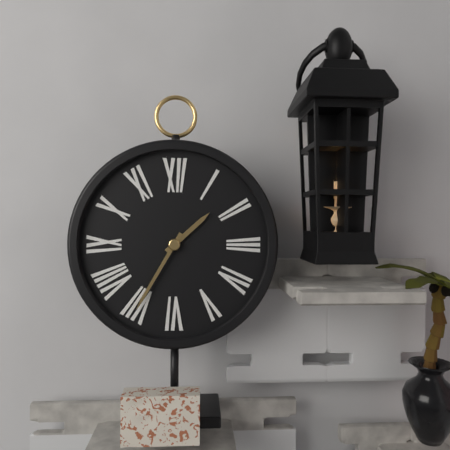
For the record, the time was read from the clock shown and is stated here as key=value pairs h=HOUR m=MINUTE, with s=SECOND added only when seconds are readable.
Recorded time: h=1 m=35
